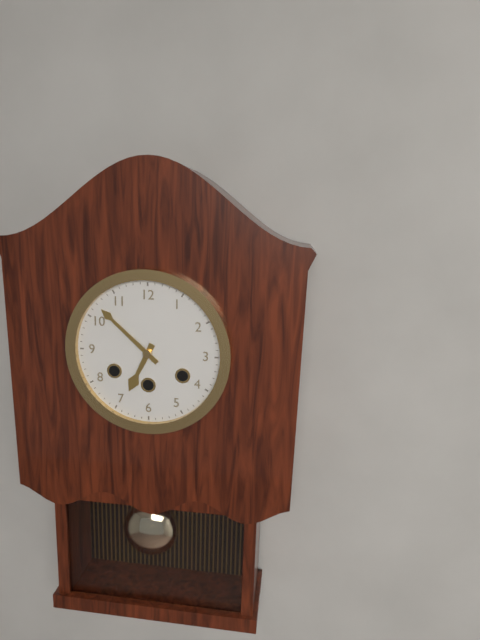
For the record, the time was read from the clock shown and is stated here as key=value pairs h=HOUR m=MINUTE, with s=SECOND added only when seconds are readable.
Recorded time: h=6 m=52
